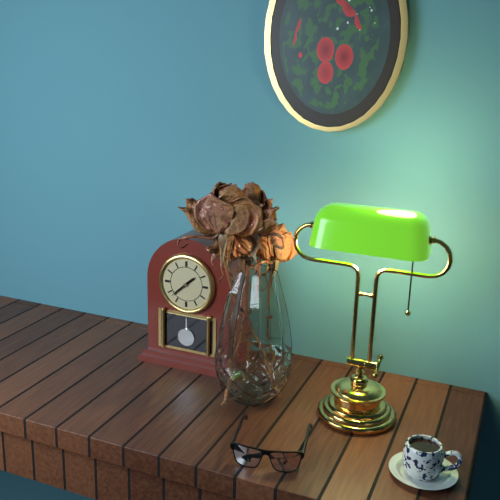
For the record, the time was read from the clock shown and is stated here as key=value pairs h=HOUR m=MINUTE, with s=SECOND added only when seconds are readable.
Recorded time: h=1 m=38
